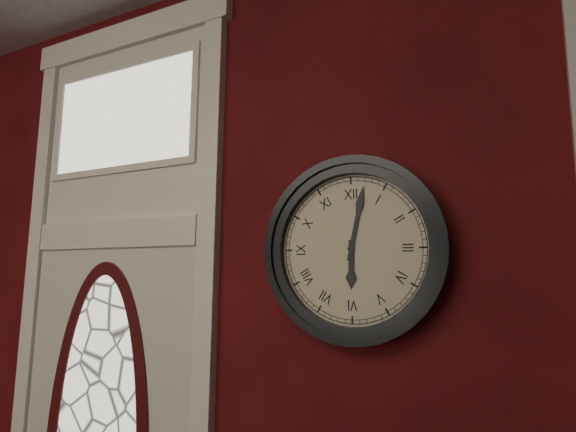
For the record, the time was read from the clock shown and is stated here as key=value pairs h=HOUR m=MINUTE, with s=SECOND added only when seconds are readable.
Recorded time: h=6 m=2
